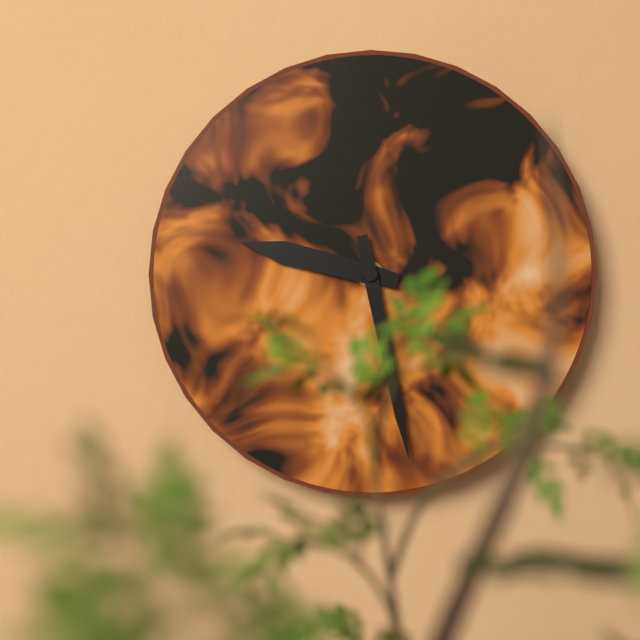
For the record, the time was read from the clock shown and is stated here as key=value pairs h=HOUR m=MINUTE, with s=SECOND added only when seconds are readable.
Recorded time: h=9 m=28
